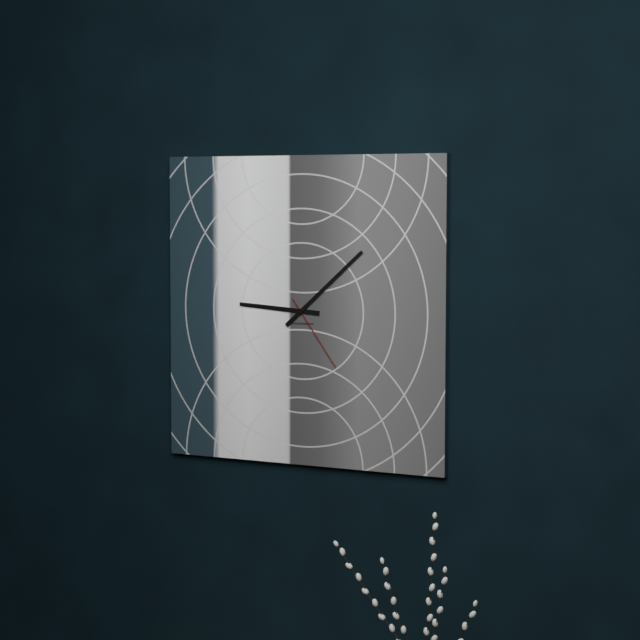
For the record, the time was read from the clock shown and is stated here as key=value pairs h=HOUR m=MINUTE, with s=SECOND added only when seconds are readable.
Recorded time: h=9 m=8 s=24
